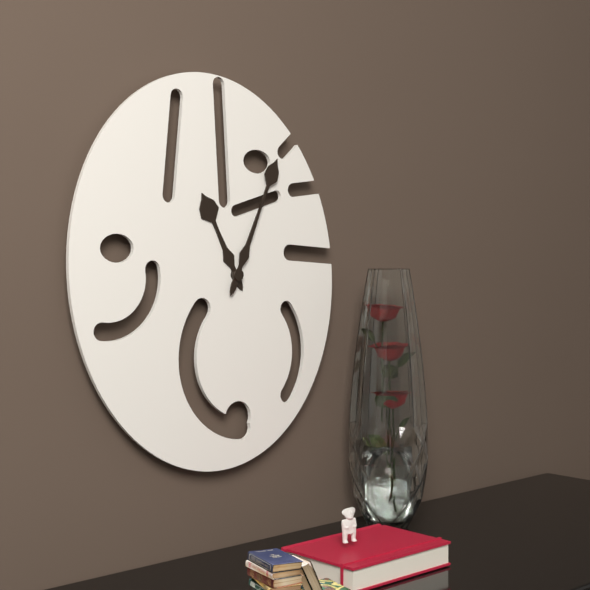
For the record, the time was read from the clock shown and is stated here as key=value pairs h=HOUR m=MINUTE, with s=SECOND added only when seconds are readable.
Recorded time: h=11 m=4
